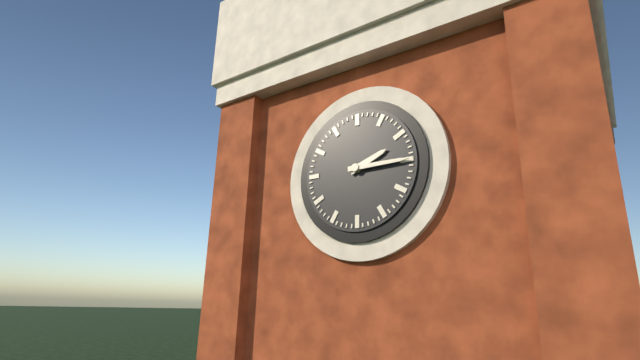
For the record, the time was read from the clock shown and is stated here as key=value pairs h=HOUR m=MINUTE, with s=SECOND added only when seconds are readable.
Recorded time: h=2 m=15
